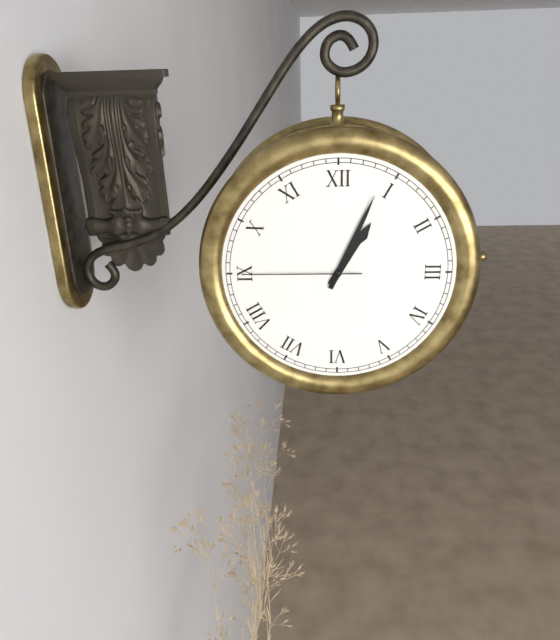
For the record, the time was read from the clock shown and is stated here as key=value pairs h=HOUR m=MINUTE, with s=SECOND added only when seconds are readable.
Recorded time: h=1 m=4 s=45
